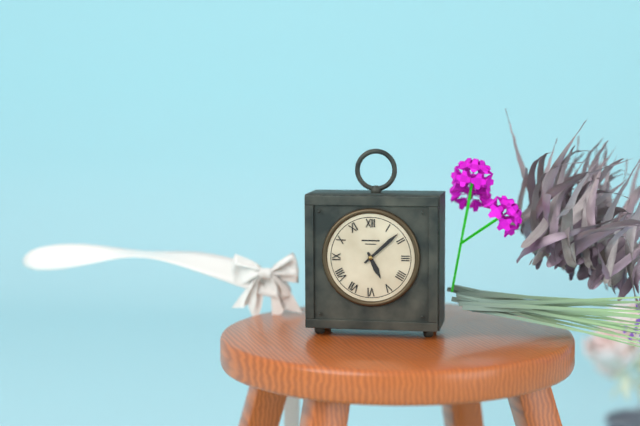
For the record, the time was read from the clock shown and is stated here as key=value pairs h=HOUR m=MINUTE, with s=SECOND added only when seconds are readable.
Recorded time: h=5 m=8
